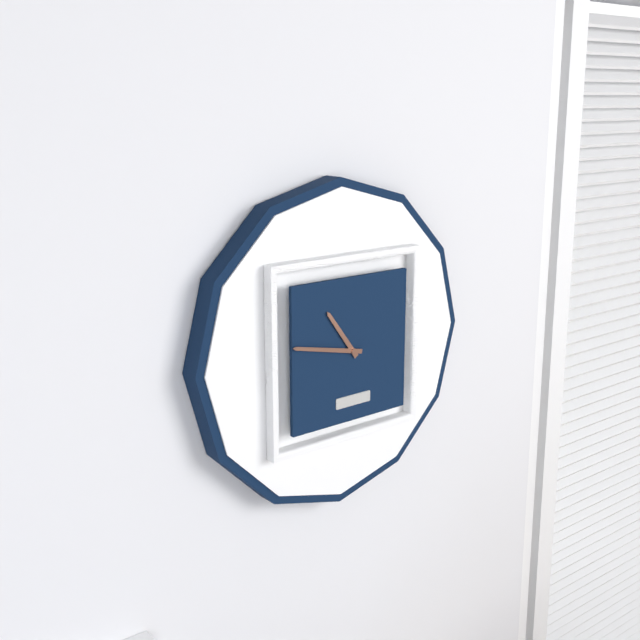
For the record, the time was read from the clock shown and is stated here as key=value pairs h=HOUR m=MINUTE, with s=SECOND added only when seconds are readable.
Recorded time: h=10 m=47
